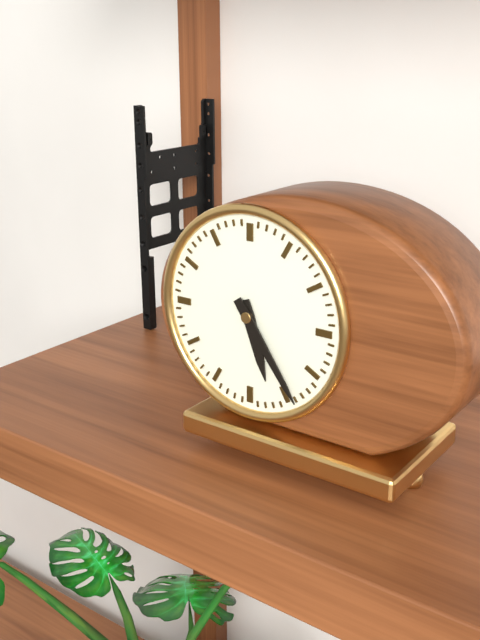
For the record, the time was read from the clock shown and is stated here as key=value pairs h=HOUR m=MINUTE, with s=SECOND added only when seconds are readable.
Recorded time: h=5 m=24
